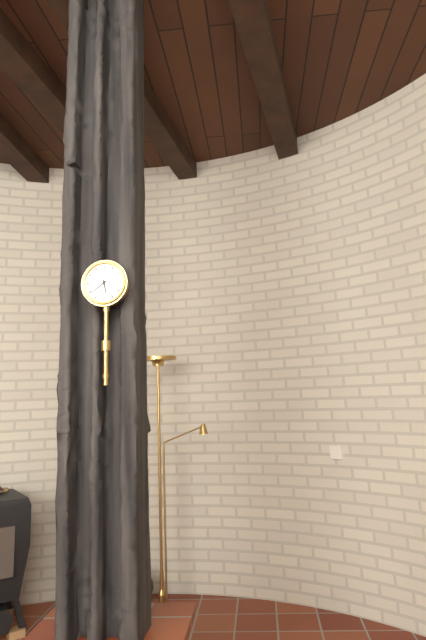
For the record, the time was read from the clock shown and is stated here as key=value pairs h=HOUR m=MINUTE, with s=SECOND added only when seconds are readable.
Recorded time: h=5 m=39
